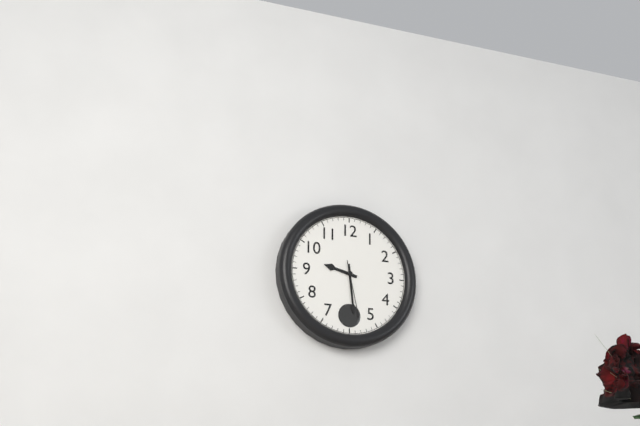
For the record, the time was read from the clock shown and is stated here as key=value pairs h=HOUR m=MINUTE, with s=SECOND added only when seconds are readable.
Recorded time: h=9 m=29 s=28
